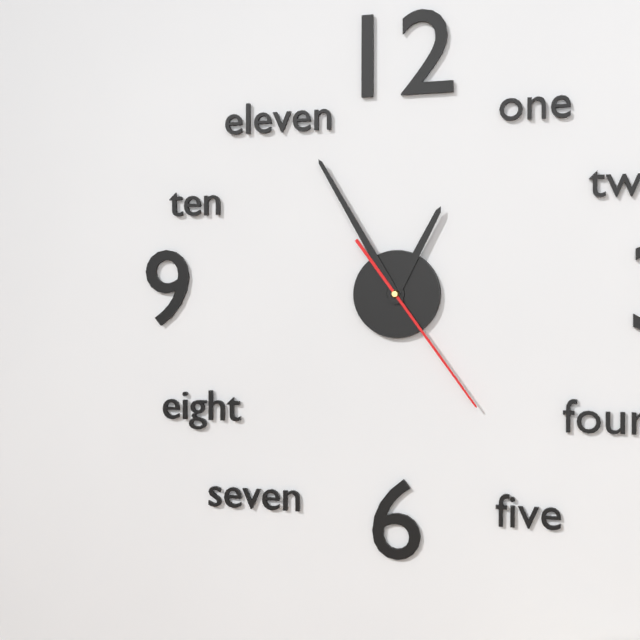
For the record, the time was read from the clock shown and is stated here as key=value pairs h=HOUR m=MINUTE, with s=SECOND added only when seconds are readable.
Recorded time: h=12 m=55 s=24
